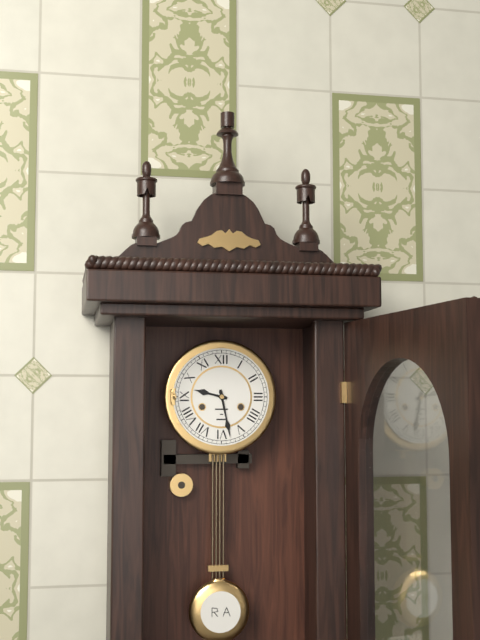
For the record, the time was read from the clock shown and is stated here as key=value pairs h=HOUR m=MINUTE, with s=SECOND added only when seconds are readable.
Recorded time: h=9 m=28
